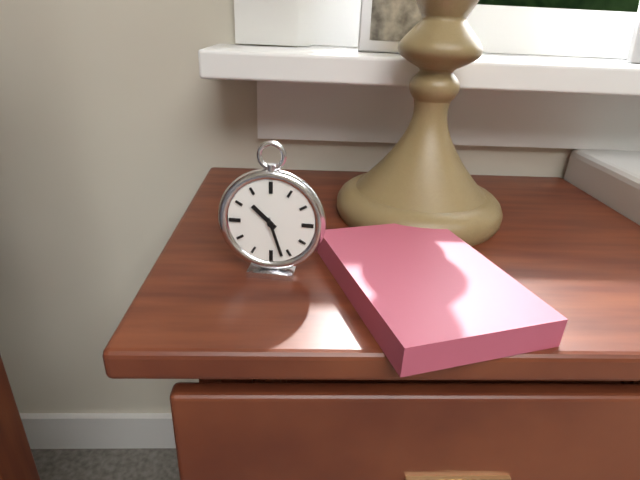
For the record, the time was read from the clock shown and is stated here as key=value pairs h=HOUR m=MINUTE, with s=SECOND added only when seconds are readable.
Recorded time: h=10 m=27
